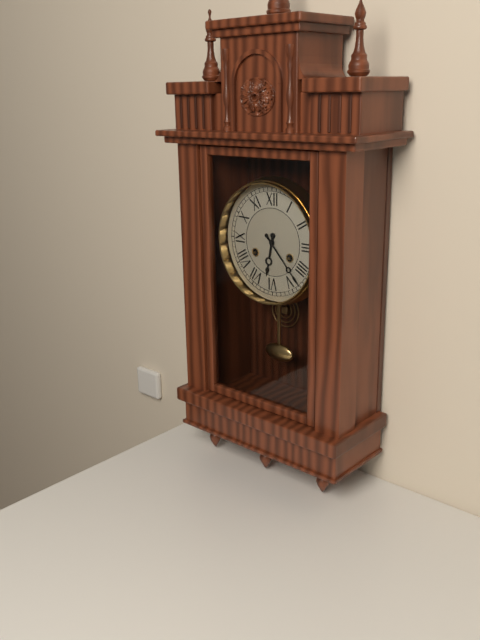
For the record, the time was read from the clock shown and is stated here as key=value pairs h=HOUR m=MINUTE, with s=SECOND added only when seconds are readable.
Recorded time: h=6 m=23
